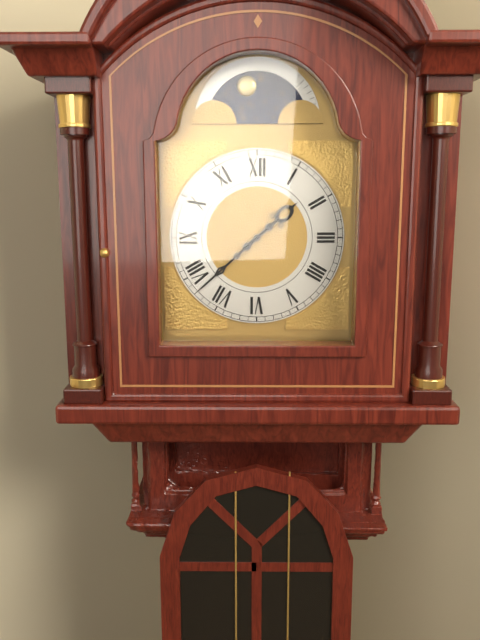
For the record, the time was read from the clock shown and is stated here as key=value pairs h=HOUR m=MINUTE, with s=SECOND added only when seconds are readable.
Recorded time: h=1 m=38
